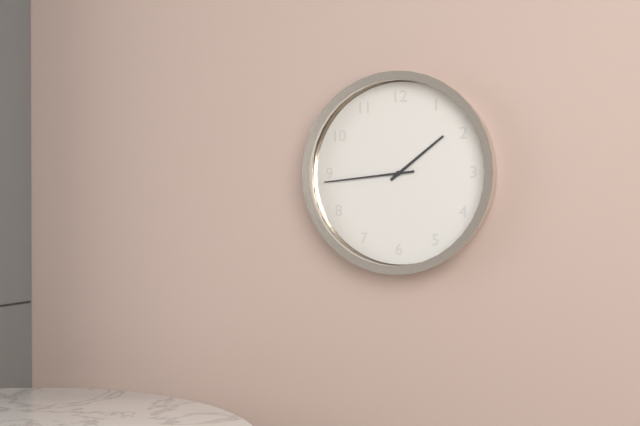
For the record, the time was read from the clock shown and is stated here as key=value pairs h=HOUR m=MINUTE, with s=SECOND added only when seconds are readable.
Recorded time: h=1 m=44
